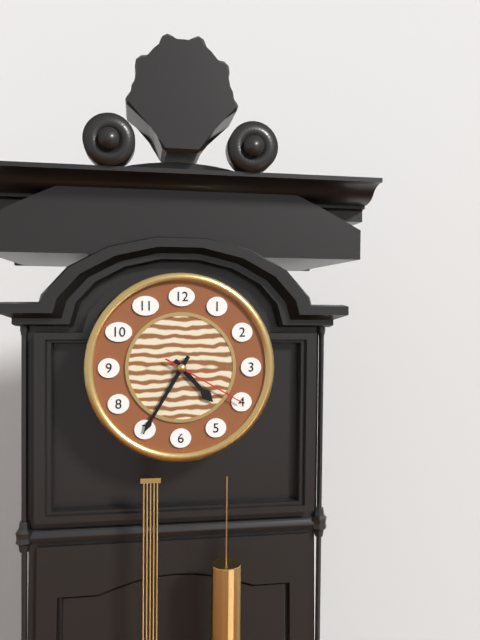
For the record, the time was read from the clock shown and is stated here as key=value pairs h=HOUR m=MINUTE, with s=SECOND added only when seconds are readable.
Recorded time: h=4 m=35 s=20
